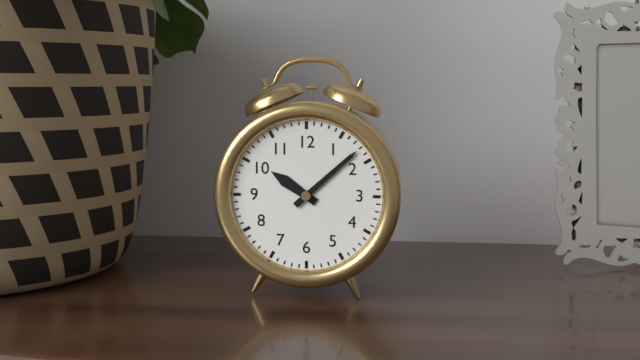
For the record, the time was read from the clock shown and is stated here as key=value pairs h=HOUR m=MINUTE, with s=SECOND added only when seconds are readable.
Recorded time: h=10 m=8
